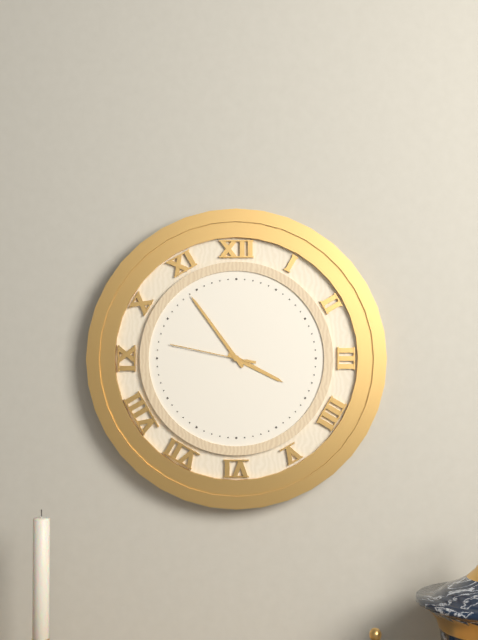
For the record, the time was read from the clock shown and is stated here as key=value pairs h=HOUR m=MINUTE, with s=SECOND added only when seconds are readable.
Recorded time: h=3 m=54 s=47
